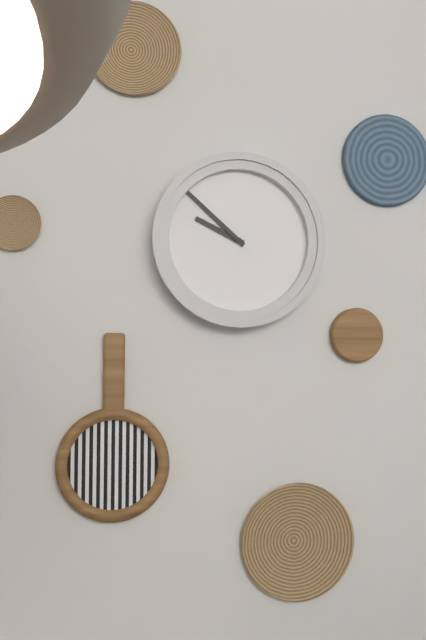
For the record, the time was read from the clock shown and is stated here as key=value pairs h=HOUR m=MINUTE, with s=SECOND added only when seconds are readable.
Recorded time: h=9 m=52
